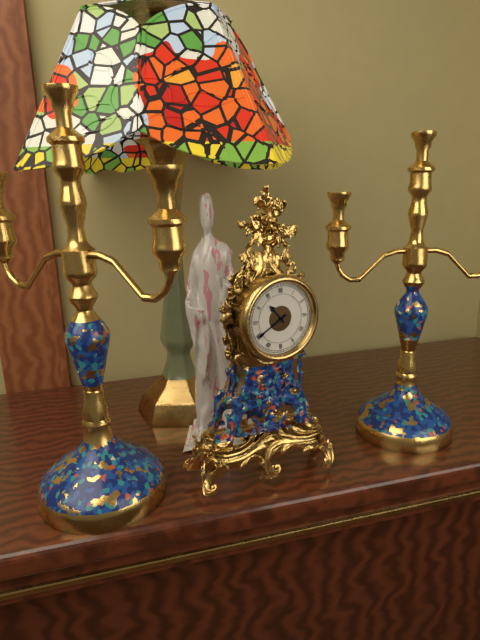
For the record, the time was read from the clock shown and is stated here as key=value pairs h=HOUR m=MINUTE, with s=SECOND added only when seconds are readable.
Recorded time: h=10 m=40
